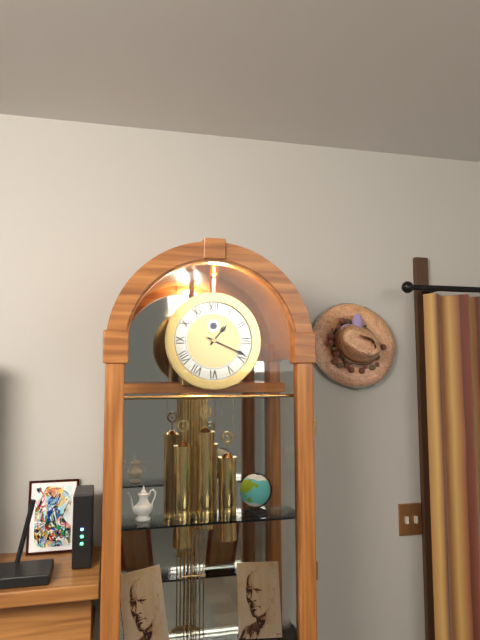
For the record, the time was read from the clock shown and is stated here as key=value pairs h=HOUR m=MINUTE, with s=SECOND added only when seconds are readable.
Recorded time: h=1 m=19
